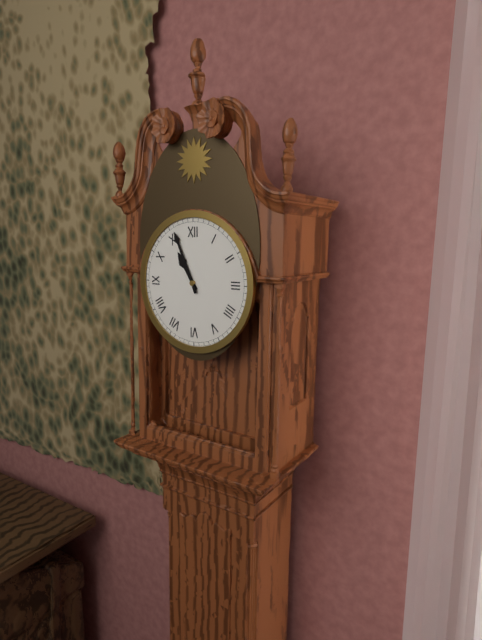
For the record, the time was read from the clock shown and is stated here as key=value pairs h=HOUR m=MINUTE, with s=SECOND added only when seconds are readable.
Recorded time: h=10 m=56
